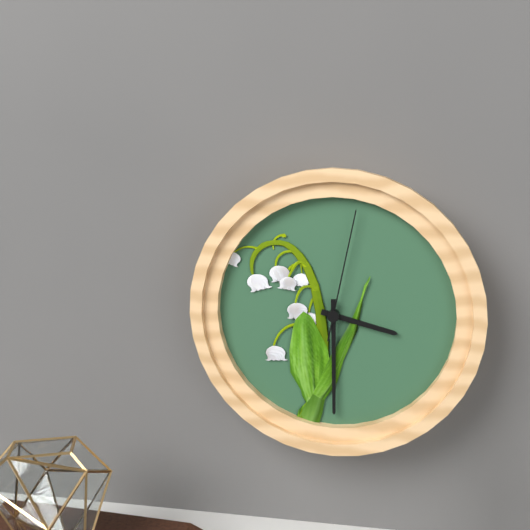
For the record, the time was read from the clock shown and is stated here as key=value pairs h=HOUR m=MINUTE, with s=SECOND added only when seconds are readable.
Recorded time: h=3 m=30 s=2
